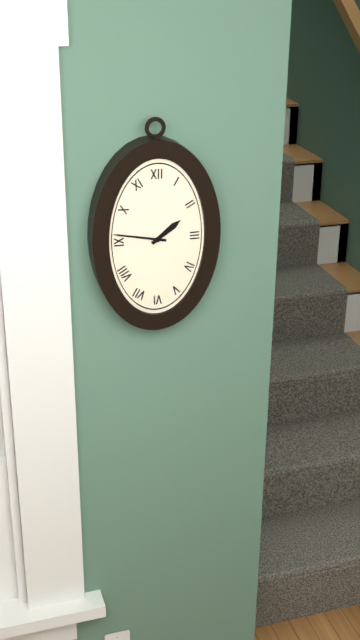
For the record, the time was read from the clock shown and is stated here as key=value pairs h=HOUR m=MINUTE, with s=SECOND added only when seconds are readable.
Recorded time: h=1 m=47
